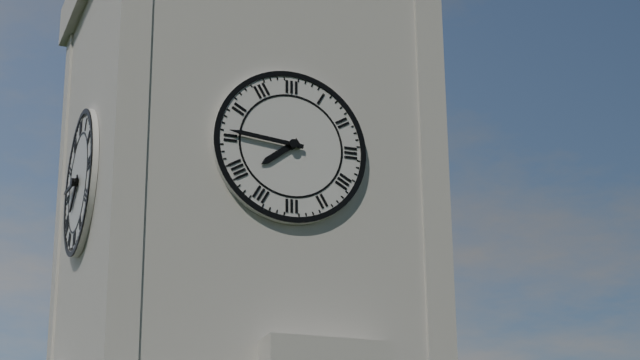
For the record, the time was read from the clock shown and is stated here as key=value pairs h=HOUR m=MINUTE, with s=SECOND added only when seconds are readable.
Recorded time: h=7 m=46
